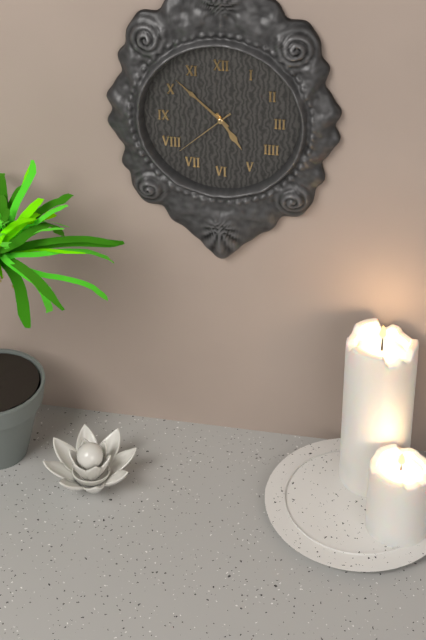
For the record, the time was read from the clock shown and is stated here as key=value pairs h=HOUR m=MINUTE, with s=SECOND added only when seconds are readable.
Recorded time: h=4 m=52 s=38
